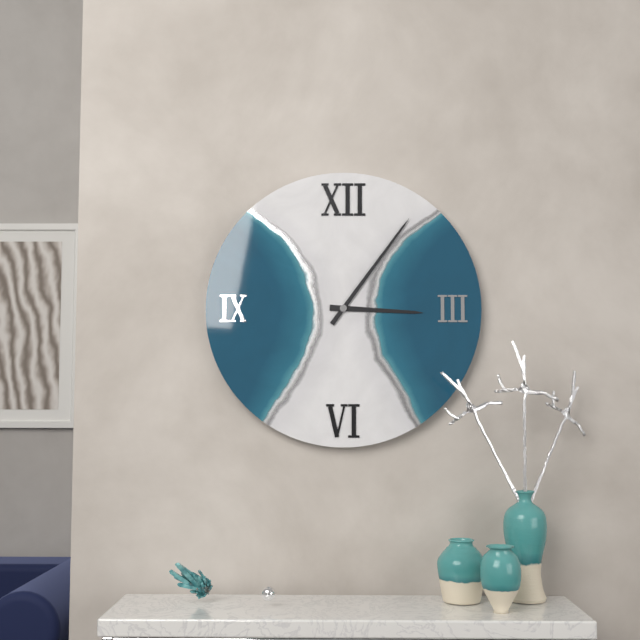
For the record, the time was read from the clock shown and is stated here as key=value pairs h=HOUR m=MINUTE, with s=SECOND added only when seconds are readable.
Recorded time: h=3 m=6
